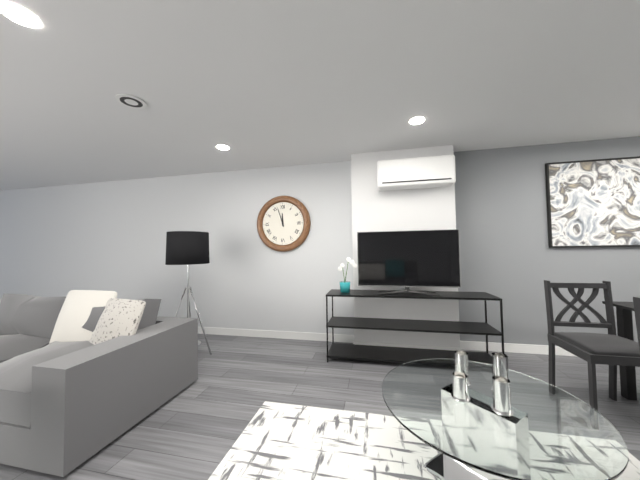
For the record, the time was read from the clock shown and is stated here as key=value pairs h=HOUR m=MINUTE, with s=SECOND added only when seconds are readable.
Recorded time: h=11 m=57
